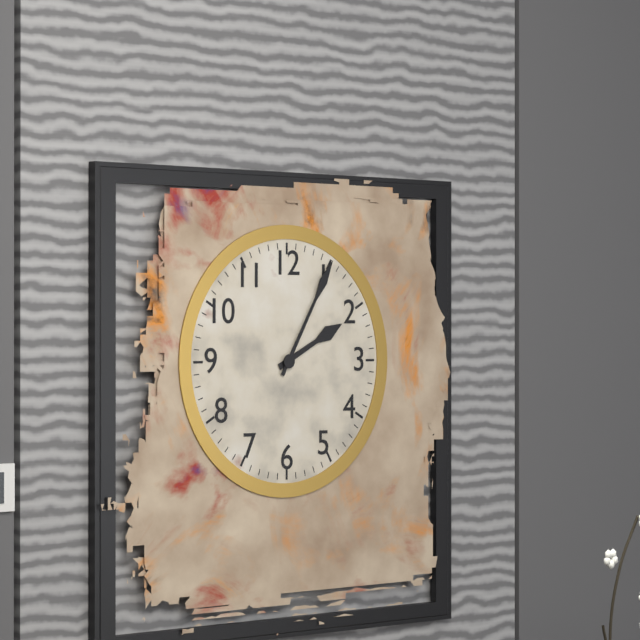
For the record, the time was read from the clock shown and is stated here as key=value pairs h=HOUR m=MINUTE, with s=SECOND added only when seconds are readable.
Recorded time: h=2 m=5
